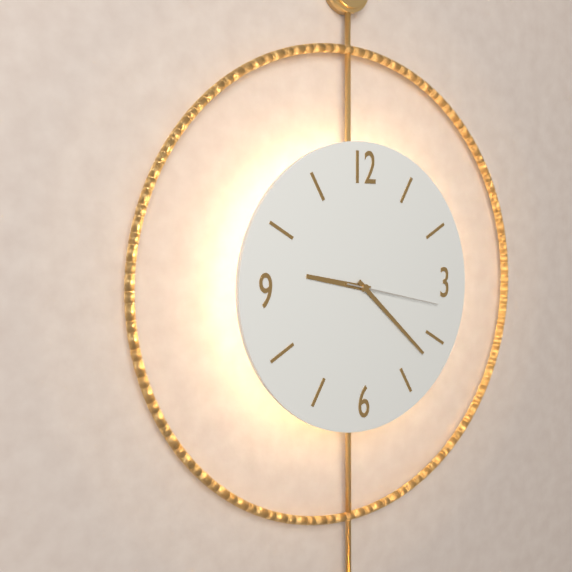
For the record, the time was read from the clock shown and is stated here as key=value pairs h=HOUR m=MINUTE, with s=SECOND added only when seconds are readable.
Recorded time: h=9 m=22 s=17
